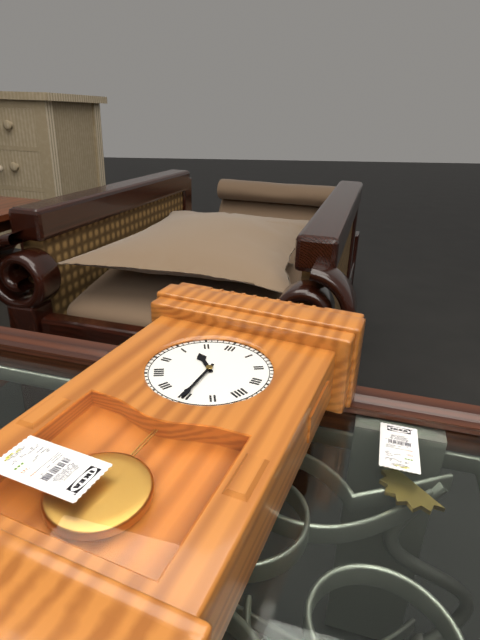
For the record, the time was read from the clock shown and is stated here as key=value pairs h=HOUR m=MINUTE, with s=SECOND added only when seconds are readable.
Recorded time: h=10 m=30
